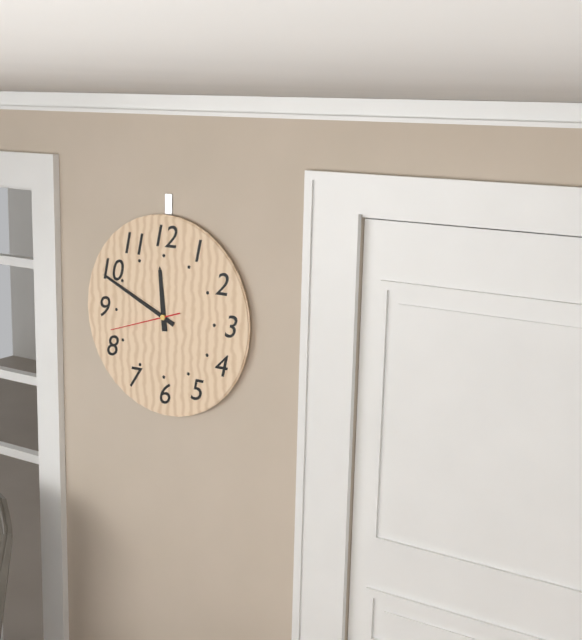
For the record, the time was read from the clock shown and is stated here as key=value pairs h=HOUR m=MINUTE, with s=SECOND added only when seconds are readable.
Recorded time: h=11 m=49 s=42
